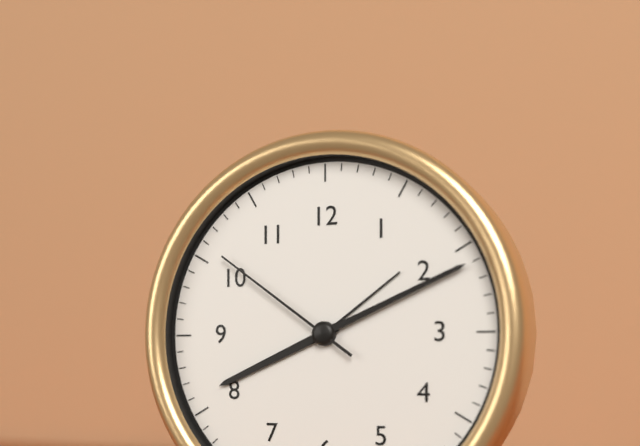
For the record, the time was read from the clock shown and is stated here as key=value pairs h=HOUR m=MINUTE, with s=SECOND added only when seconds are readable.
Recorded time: h=8 m=11 s=51
